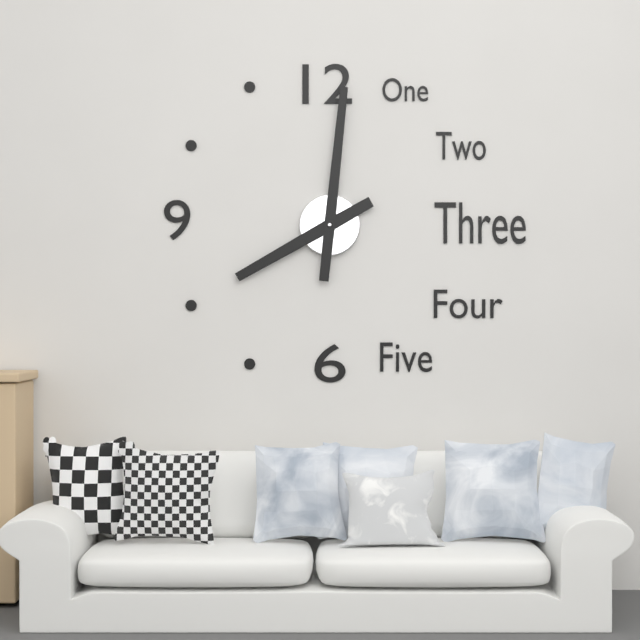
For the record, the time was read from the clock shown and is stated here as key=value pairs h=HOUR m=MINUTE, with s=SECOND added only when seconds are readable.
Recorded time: h=8 m=1
